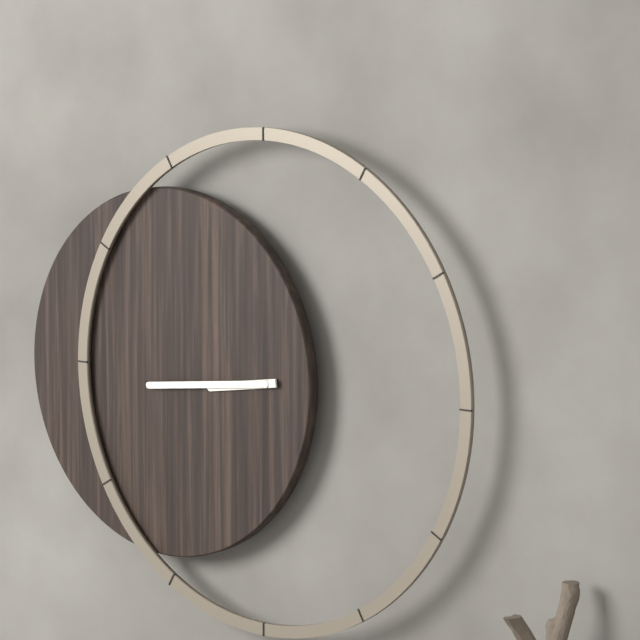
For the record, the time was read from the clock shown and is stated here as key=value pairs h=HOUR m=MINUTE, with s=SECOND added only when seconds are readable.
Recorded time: h=8 m=44
